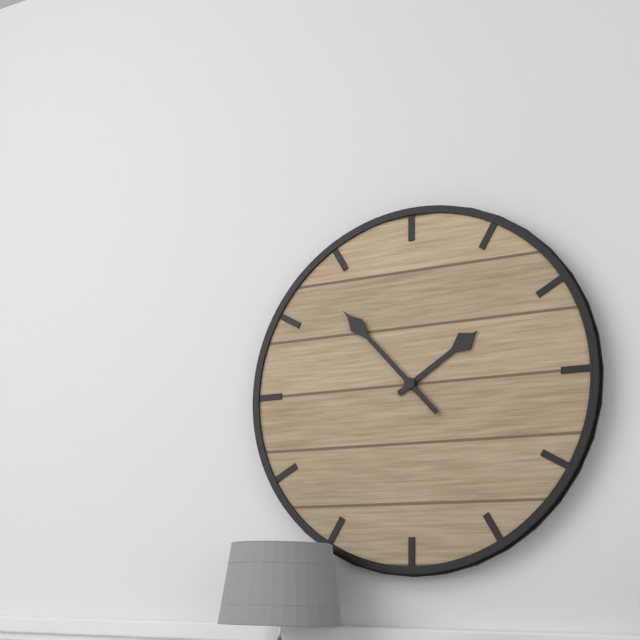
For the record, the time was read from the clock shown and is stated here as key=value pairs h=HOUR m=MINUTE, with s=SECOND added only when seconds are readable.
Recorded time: h=1 m=53
